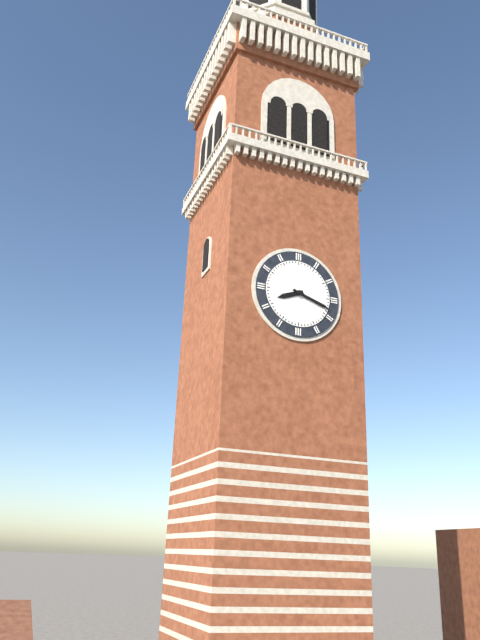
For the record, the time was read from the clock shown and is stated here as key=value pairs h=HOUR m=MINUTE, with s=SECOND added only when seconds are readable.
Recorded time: h=8 m=18
